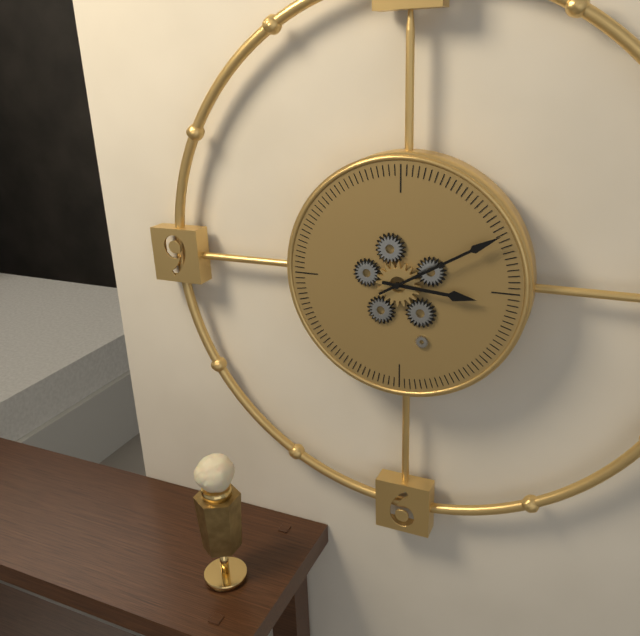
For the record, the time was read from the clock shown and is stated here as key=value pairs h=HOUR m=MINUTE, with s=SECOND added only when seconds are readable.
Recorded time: h=3 m=10
